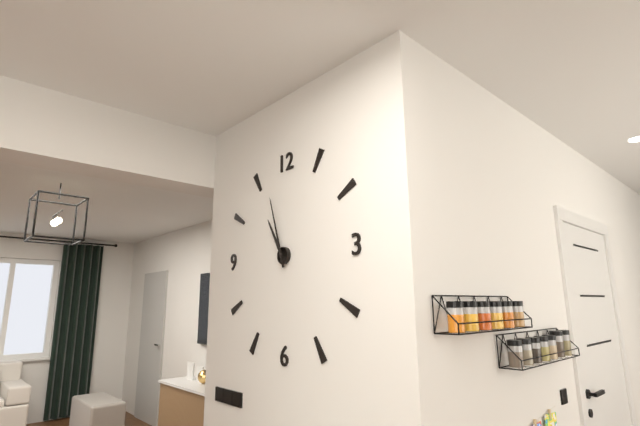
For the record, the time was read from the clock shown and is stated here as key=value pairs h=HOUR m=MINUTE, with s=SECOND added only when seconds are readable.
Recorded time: h=10 m=57
